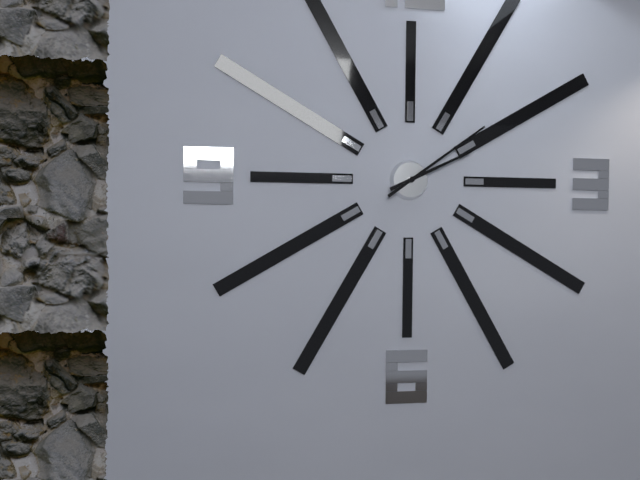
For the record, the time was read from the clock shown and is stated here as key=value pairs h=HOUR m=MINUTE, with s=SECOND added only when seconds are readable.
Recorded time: h=2 m=9
